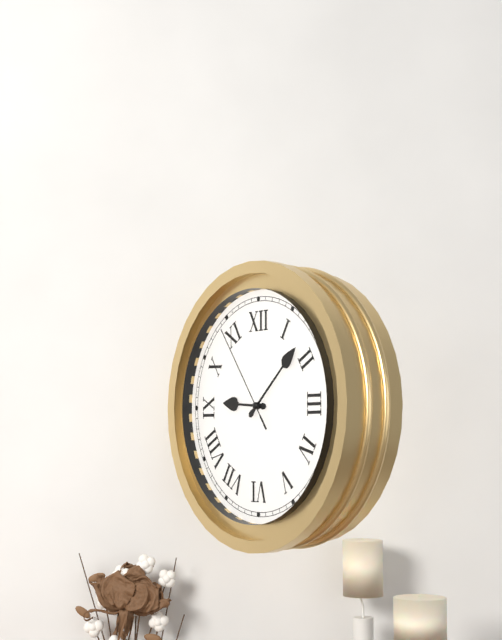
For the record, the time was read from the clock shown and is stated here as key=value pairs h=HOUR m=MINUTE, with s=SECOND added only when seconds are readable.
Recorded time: h=9 m=8 s=54
